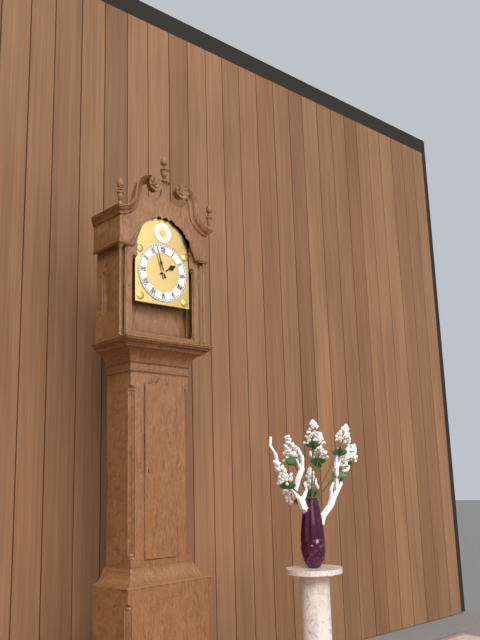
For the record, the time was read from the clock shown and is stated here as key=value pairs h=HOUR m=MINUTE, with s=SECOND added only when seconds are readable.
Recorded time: h=1 m=57
